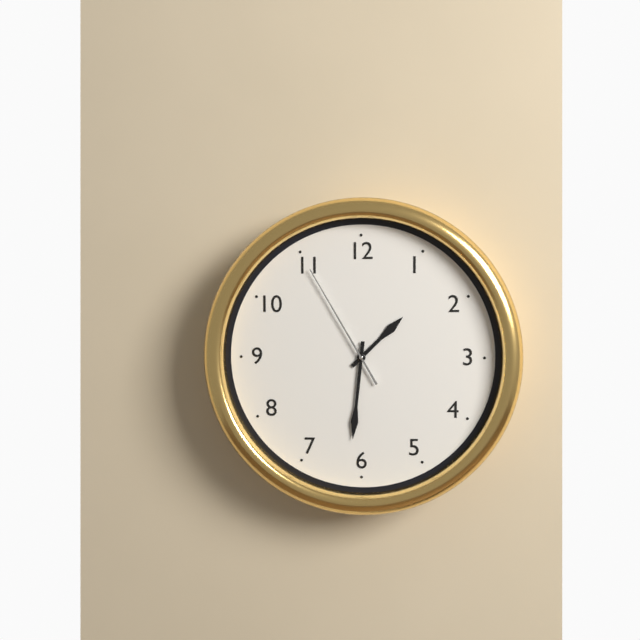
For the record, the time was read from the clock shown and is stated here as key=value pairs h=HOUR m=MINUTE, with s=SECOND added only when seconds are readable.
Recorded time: h=1 m=31 s=55
